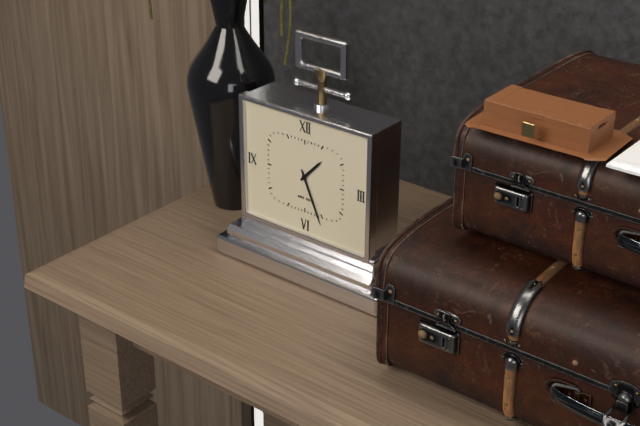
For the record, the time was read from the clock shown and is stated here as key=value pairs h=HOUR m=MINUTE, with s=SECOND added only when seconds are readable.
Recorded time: h=1 m=26
